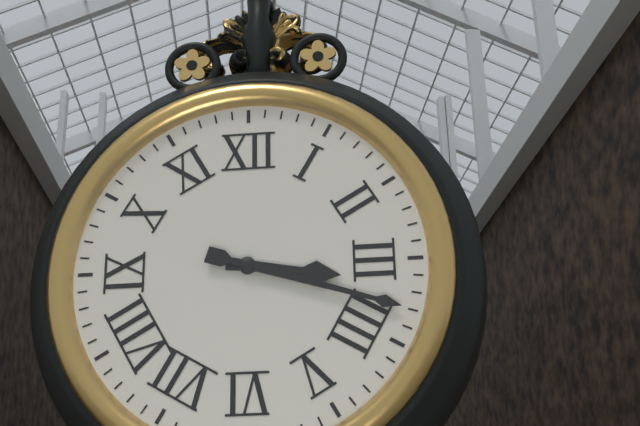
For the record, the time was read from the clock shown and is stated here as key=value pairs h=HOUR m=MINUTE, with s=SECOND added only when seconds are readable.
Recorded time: h=3 m=18
